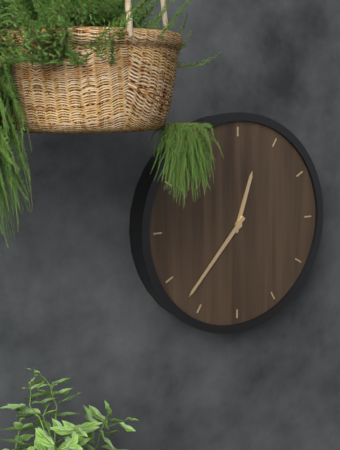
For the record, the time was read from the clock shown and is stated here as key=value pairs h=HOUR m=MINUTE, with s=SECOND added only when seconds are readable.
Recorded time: h=12 m=37
